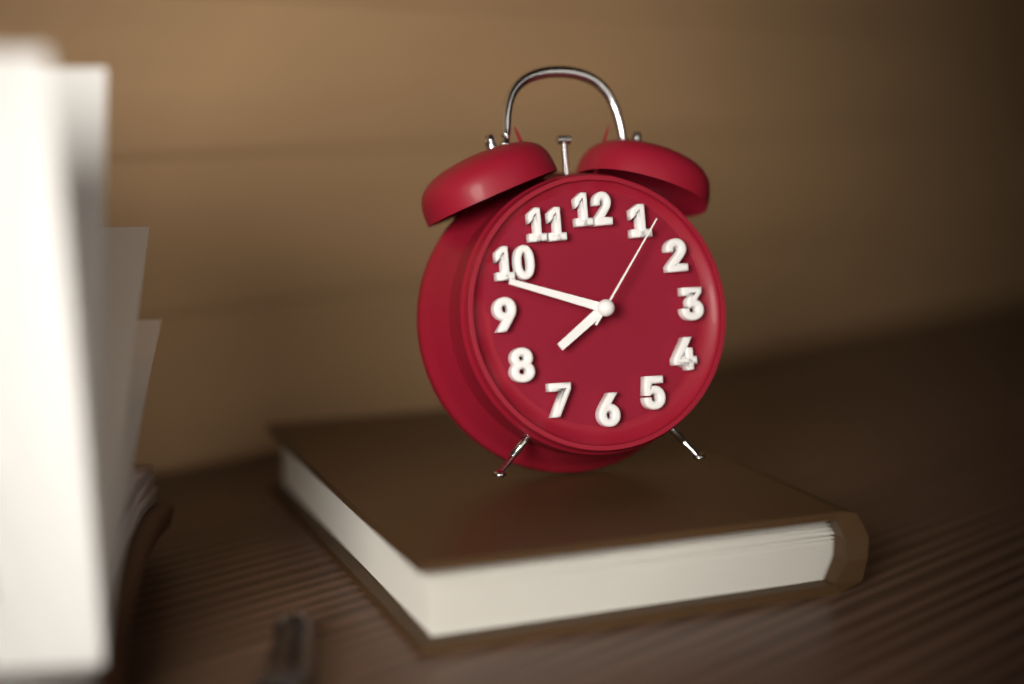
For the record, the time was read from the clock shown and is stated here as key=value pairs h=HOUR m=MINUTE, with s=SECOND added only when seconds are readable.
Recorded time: h=7 m=48 s=6
